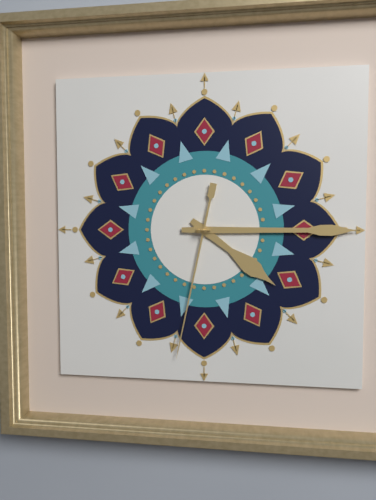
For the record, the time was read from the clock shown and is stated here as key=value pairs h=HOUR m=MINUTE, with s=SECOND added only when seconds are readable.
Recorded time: h=4 m=15 s=32
